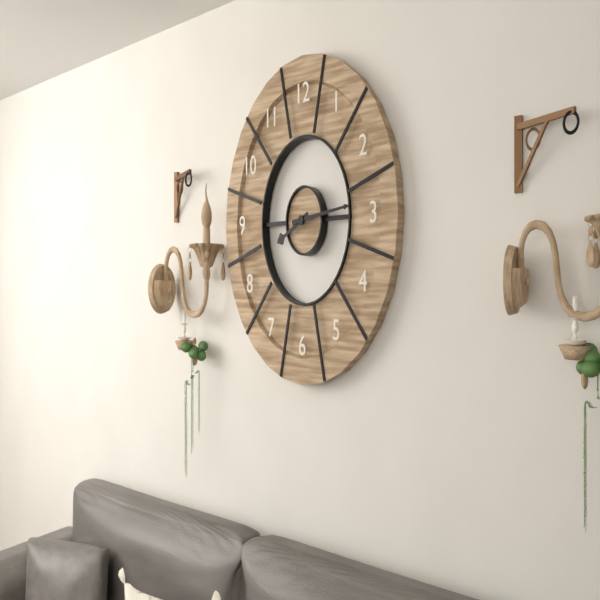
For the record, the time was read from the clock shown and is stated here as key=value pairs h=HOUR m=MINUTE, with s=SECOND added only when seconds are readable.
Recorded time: h=8 m=14
